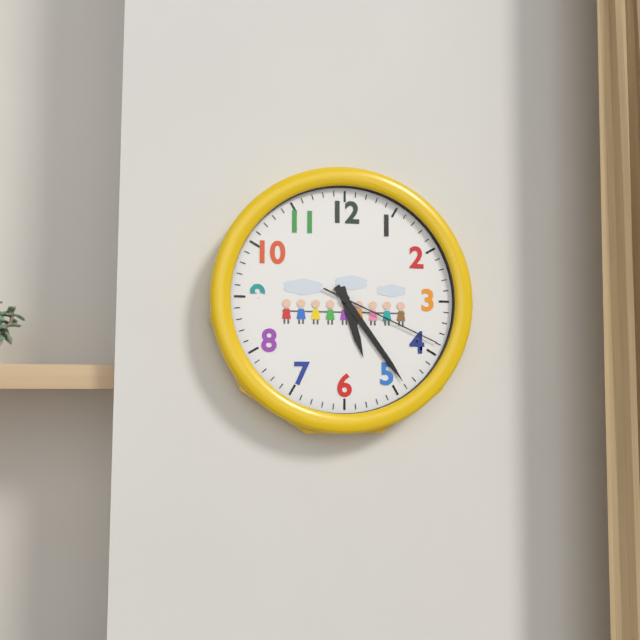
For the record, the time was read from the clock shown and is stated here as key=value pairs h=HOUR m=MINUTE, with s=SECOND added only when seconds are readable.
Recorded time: h=5 m=24 s=19
